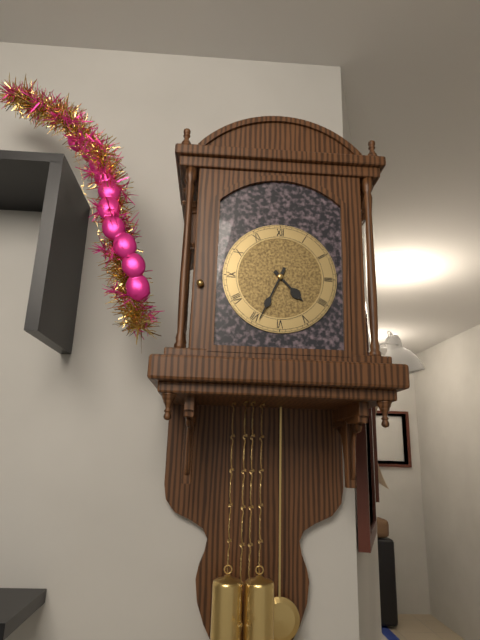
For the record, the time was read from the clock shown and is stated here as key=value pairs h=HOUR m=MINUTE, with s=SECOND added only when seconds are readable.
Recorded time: h=4 m=34
